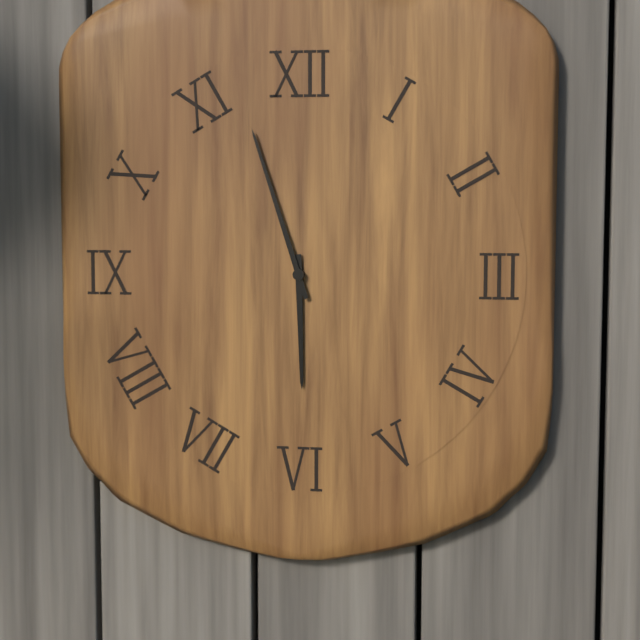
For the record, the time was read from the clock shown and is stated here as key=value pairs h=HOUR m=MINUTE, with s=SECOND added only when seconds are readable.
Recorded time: h=5 m=57
